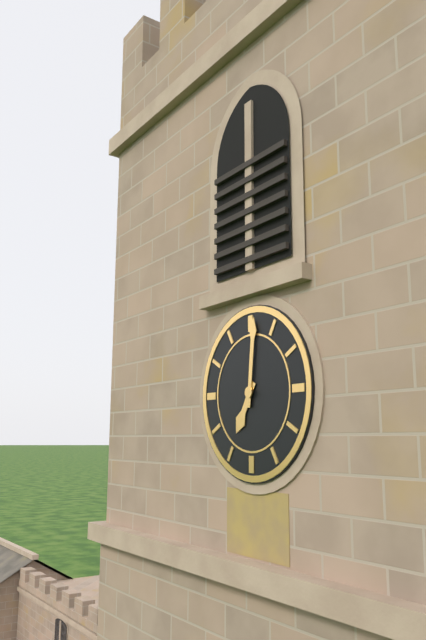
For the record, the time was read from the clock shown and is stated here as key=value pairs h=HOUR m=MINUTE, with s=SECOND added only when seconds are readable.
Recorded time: h=7 m=1
